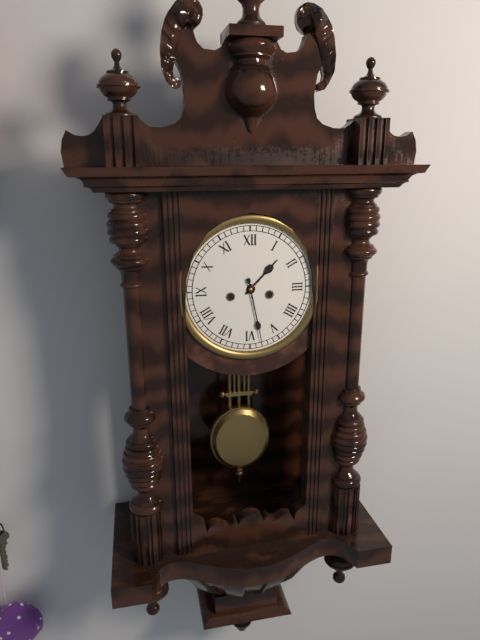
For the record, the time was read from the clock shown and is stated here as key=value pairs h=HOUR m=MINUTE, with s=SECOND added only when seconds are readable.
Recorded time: h=1 m=28
